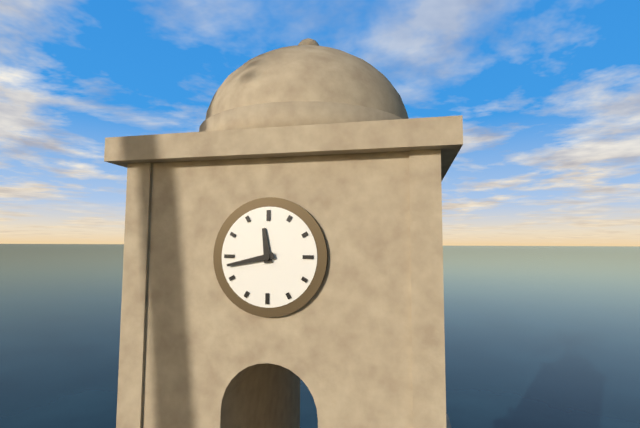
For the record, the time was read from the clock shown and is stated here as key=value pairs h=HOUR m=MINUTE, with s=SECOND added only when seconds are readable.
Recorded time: h=11 m=43
